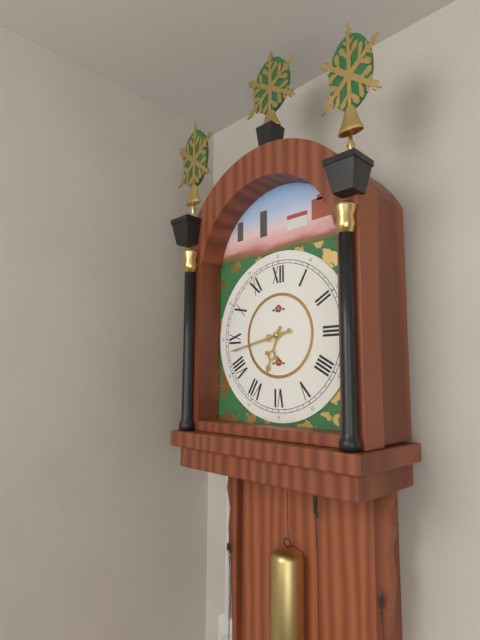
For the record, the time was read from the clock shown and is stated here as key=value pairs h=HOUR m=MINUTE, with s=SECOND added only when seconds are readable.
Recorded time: h=6 m=43
